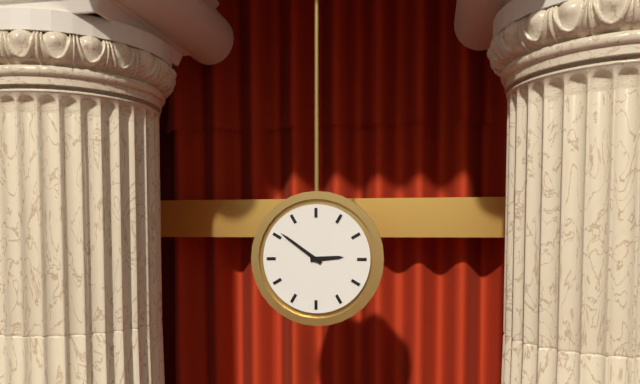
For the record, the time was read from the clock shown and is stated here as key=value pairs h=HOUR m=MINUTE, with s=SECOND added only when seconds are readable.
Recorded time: h=2 m=51
